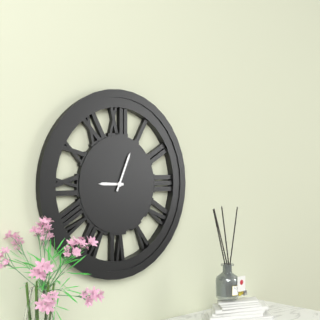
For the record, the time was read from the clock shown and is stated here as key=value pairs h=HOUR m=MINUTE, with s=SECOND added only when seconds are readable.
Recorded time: h=9 m=4
